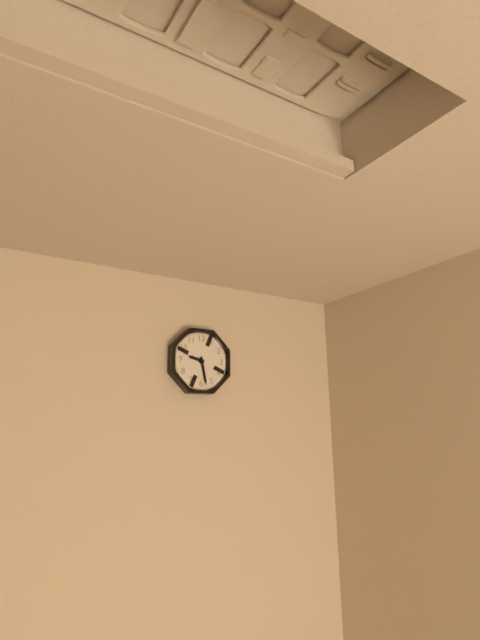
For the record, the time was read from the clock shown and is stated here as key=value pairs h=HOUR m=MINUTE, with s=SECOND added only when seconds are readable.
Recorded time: h=9 m=28
